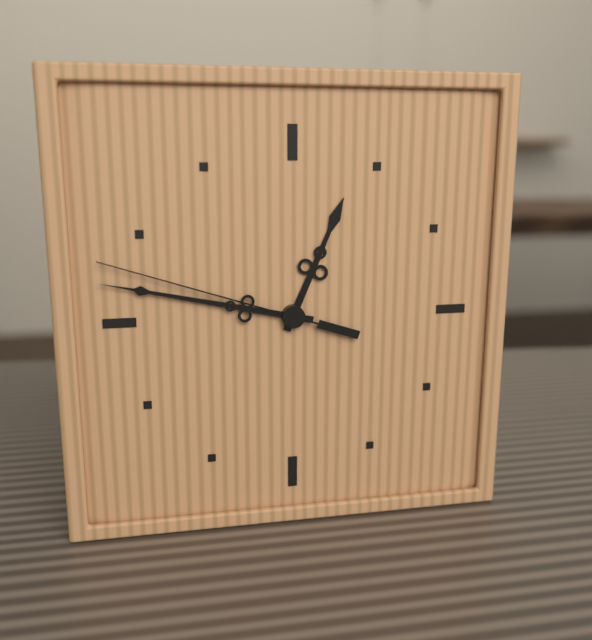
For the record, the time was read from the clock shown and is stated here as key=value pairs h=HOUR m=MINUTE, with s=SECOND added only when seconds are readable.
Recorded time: h=12 m=47 s=48
